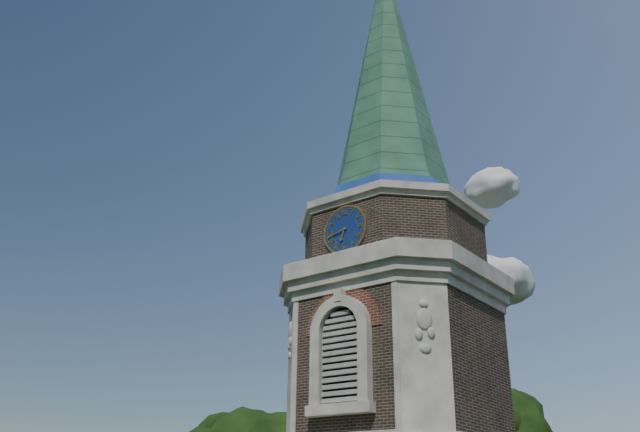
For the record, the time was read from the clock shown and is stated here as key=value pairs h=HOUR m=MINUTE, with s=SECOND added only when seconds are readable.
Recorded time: h=6 m=43
